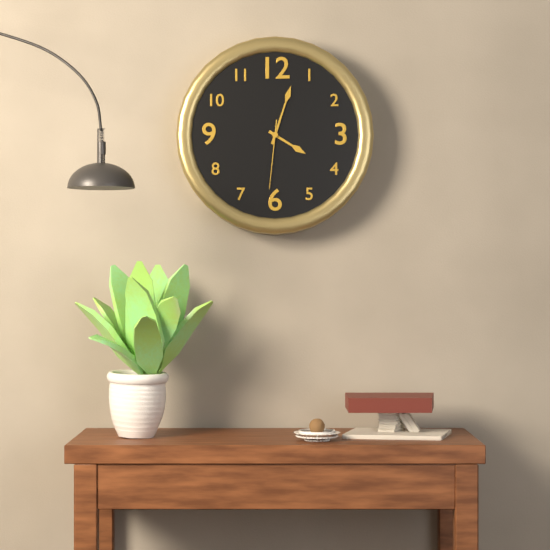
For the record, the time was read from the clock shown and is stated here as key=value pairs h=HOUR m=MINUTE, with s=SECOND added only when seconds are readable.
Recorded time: h=4 m=3 s=31
